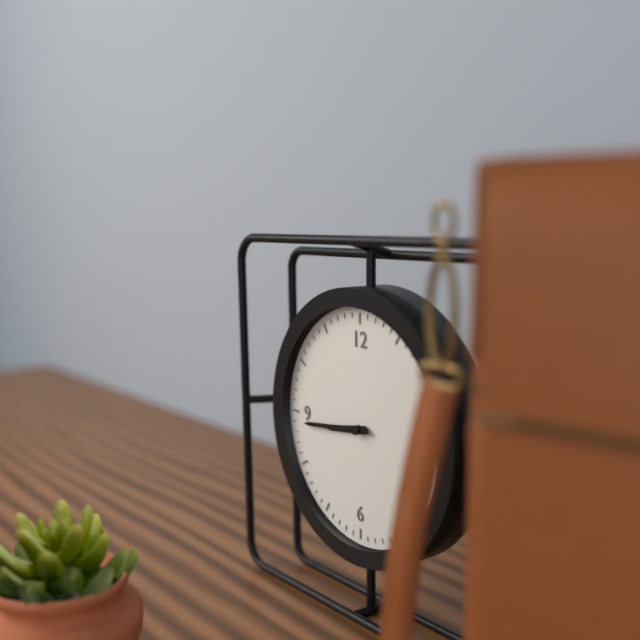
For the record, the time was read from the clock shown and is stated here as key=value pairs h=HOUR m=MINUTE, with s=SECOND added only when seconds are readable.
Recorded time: h=8 m=44
